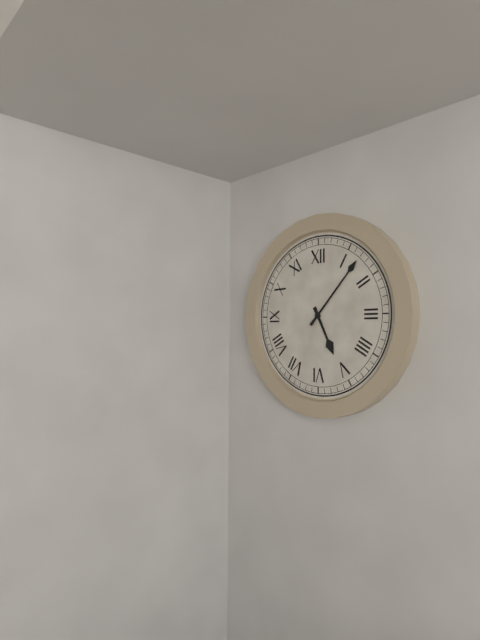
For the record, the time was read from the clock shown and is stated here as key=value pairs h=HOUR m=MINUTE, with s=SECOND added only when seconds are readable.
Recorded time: h=5 m=7
